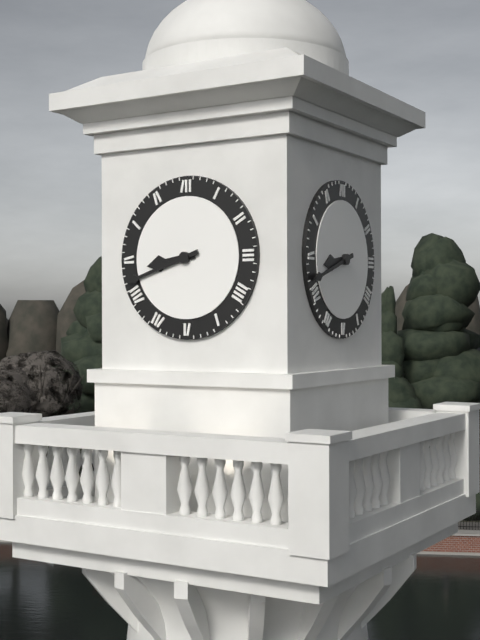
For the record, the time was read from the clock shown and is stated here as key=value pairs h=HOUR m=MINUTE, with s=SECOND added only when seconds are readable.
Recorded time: h=8 m=42
